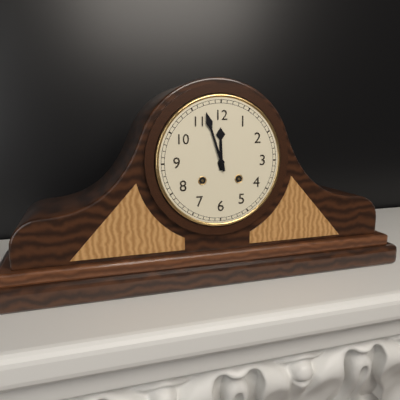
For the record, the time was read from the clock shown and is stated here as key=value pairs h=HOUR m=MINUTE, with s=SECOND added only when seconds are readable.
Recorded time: h=11 m=57
